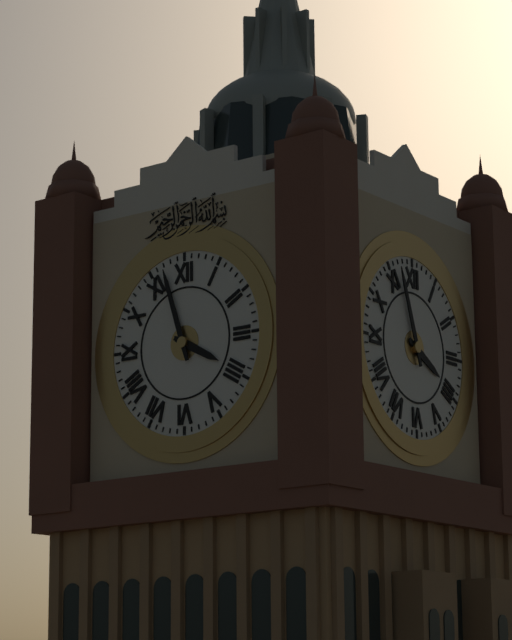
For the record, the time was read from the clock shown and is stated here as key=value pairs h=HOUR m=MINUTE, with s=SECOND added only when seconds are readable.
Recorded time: h=3 m=57
